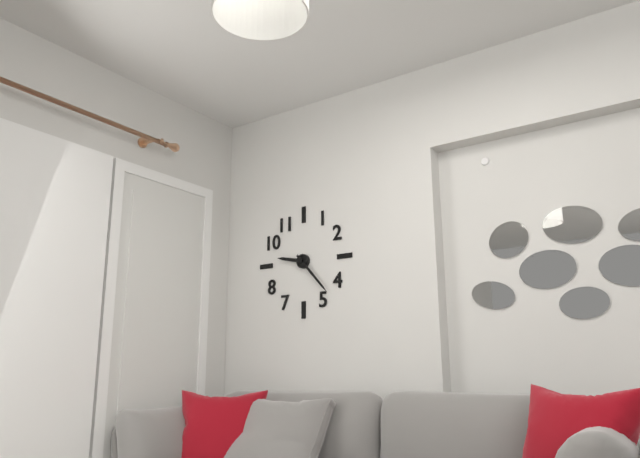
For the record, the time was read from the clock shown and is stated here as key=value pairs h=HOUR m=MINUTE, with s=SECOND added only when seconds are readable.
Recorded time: h=9 m=23
